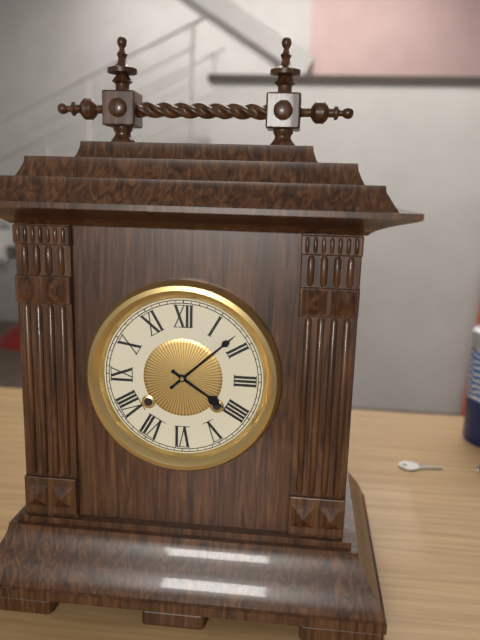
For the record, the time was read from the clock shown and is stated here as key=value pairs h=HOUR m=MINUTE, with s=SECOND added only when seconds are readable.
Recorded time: h=4 m=8
